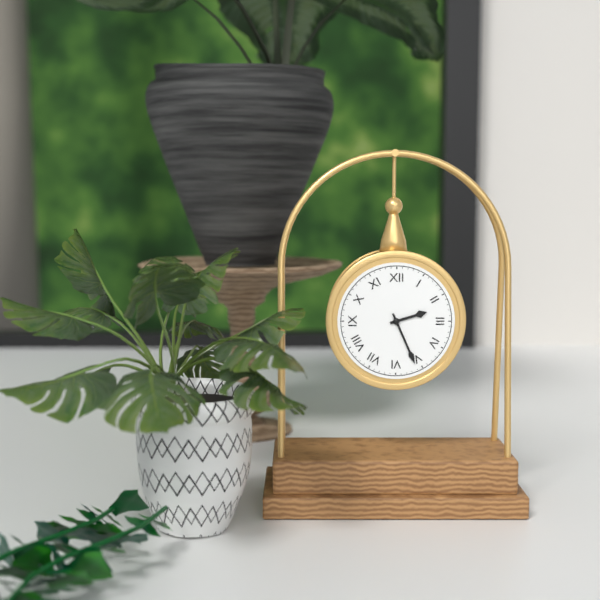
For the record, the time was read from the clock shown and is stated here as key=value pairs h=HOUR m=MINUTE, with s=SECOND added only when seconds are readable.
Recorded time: h=2 m=26
